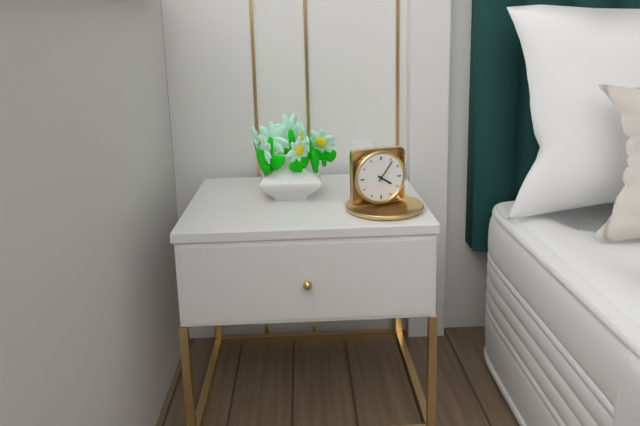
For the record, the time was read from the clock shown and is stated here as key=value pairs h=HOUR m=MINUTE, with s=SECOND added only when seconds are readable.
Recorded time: h=4 m=6
